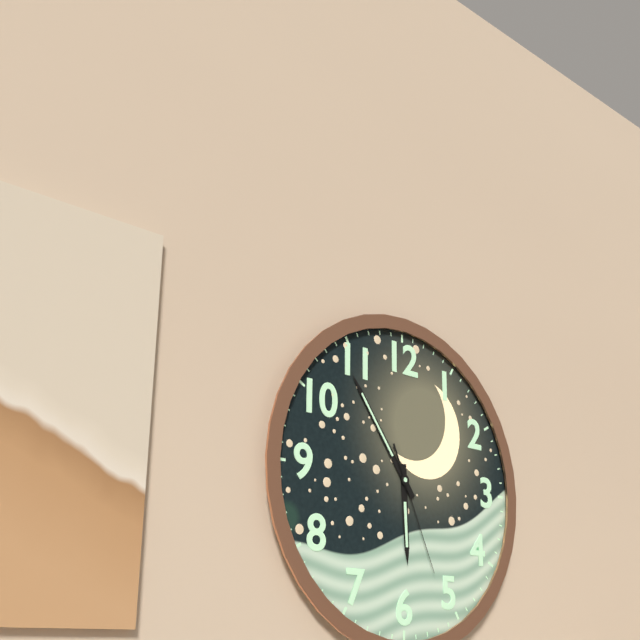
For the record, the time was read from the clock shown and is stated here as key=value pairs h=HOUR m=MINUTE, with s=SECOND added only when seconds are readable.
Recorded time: h=5 m=54 s=26
